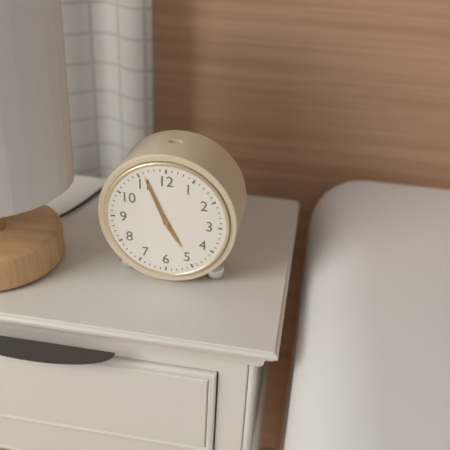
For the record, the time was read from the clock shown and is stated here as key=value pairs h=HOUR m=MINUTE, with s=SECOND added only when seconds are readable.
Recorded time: h=4 m=56
